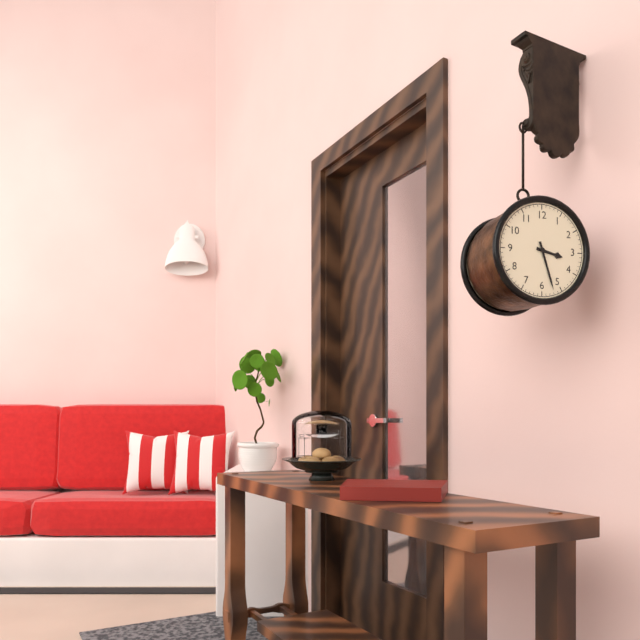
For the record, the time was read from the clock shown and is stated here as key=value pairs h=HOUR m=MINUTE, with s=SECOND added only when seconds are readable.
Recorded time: h=3 m=27
